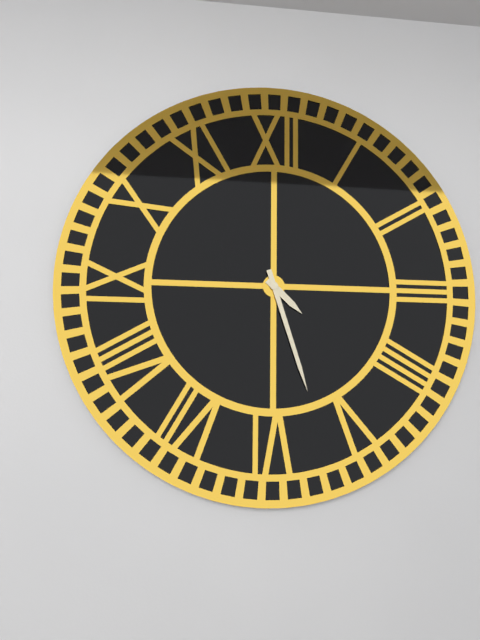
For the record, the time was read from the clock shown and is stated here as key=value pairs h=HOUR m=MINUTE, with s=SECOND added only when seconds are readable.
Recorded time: h=4 m=27
